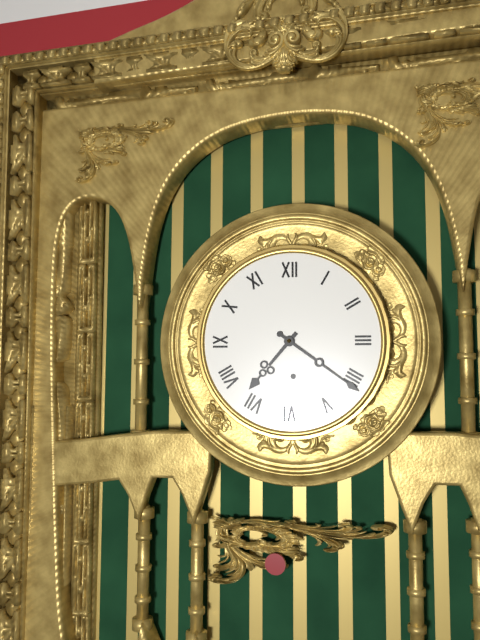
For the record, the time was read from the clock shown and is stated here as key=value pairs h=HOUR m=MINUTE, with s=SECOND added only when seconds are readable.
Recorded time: h=7 m=21
